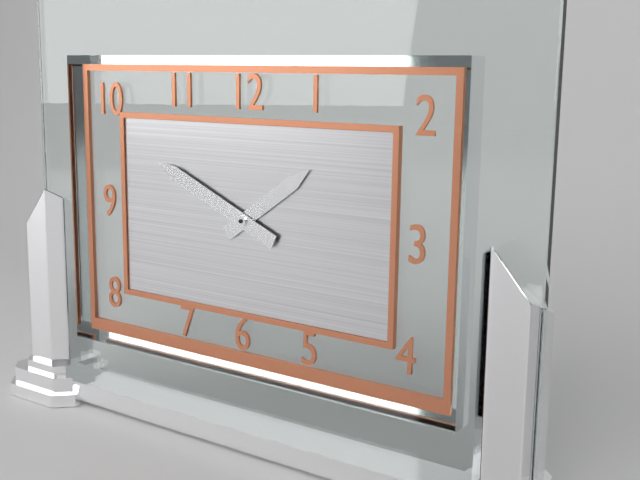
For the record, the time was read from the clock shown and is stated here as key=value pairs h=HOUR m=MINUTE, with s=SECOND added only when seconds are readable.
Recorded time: h=1 m=49
